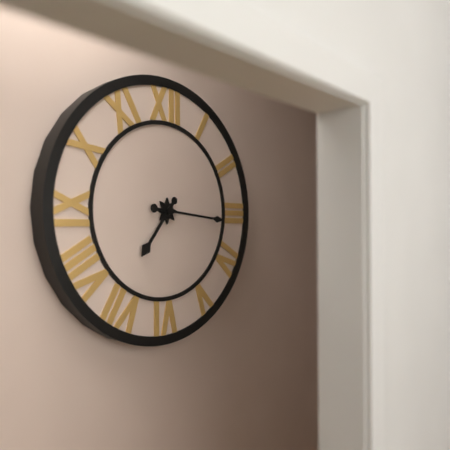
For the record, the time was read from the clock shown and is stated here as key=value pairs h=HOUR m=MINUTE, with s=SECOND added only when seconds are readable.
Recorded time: h=7 m=16
